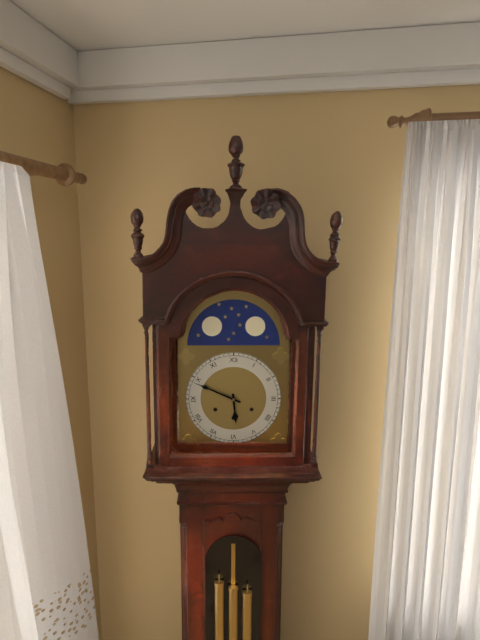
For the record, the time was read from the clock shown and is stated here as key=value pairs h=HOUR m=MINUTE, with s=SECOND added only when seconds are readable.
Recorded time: h=5 m=49
